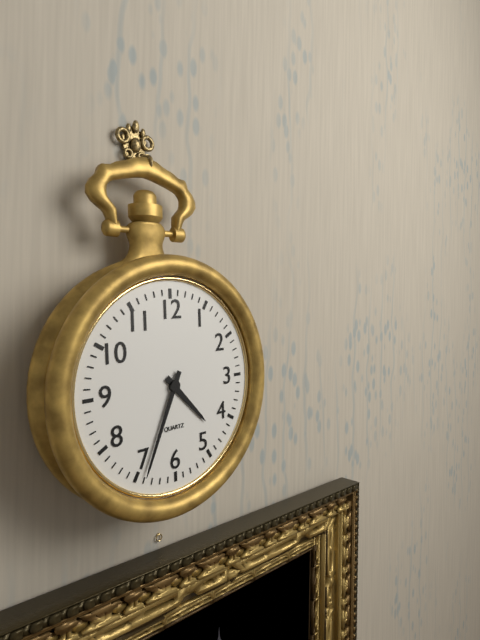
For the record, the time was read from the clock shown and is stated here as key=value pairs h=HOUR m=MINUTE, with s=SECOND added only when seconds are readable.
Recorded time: h=4 m=34
